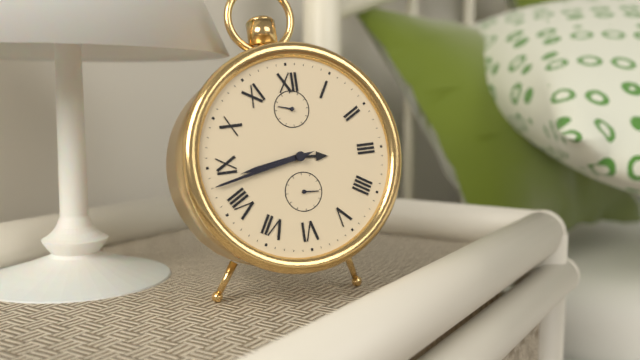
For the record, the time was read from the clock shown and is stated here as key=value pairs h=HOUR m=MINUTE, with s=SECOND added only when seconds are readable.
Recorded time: h=8 m=43
